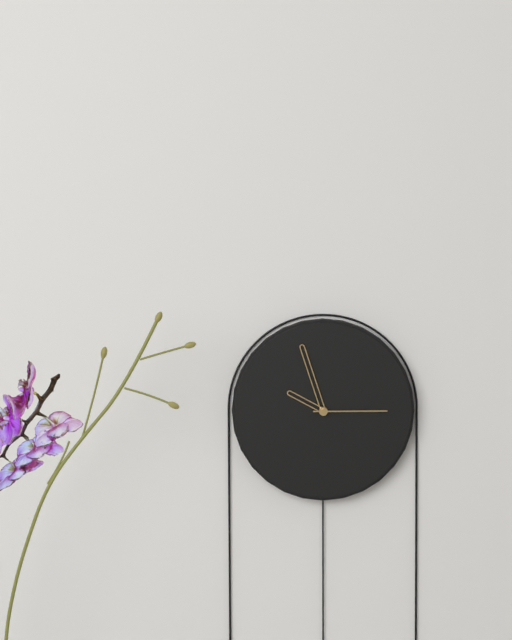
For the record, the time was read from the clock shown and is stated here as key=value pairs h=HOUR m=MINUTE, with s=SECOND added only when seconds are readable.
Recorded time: h=9 m=57 s=15
